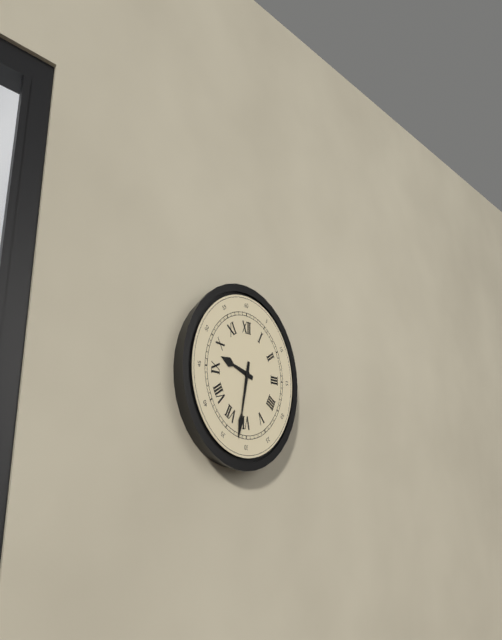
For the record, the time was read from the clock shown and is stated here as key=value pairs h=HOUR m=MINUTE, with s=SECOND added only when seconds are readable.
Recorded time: h=9 m=32
